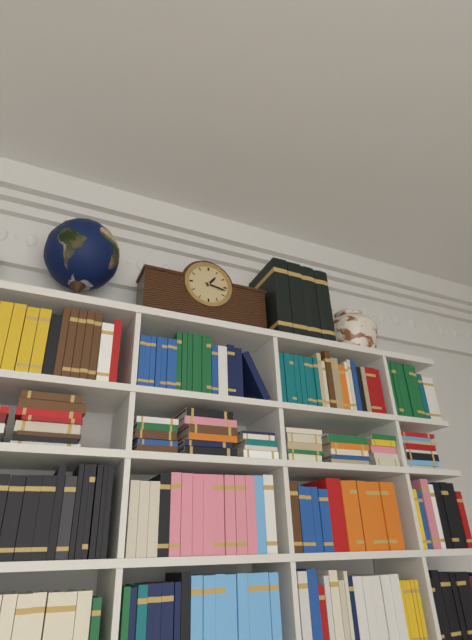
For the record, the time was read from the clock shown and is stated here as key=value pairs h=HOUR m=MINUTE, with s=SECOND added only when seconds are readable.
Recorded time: h=1 m=17
